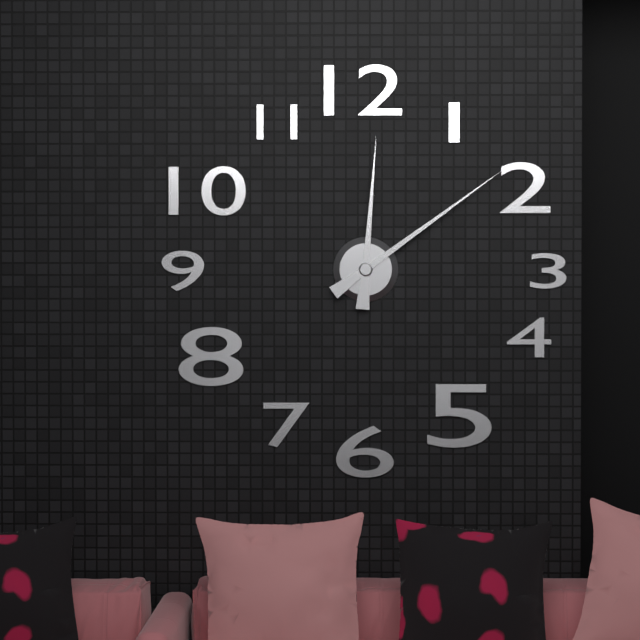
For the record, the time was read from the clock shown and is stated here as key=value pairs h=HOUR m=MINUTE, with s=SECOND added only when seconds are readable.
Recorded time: h=12 m=9
